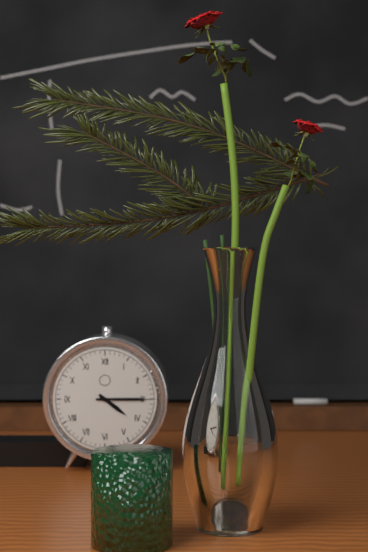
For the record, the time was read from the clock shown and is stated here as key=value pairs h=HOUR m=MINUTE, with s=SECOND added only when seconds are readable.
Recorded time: h=4 m=15
